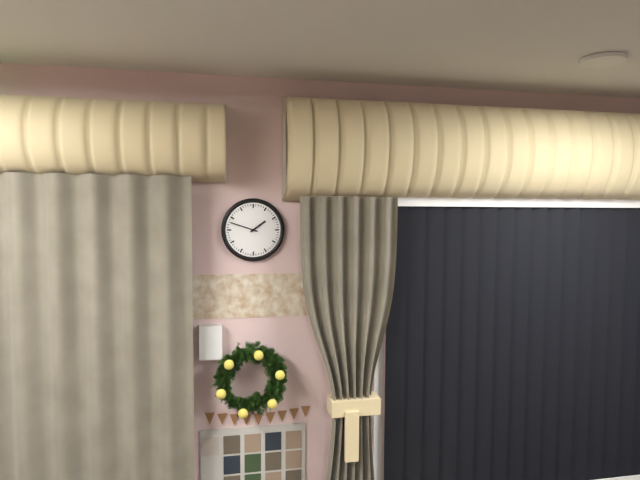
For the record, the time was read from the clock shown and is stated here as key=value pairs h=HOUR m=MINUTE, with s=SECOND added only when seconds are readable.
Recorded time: h=1 m=48
